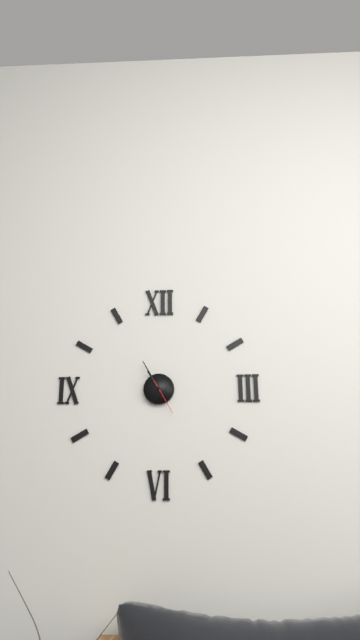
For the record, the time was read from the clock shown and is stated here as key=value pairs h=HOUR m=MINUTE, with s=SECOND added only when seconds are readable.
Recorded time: h=10 m=55
